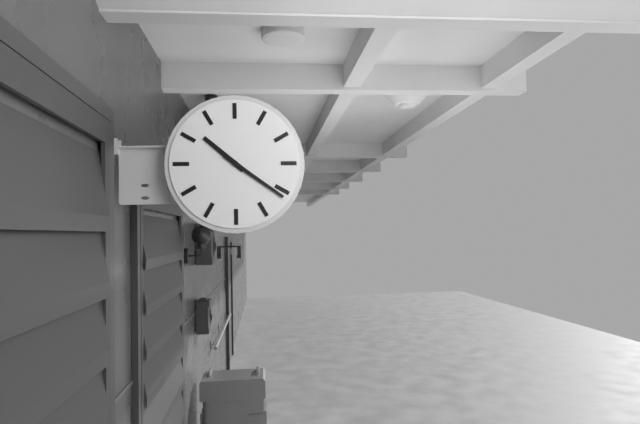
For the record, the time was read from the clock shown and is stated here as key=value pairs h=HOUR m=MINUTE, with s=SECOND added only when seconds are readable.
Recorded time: h=10 m=21
